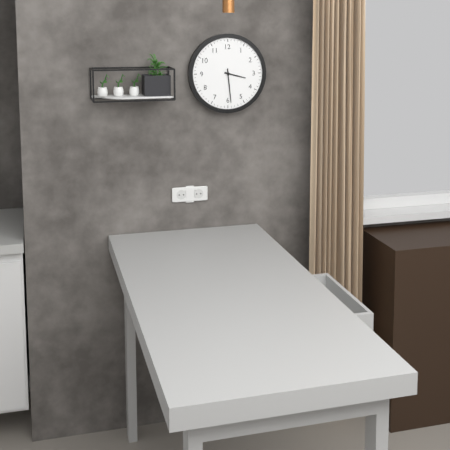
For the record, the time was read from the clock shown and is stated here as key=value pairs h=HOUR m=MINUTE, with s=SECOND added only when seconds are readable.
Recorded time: h=3 m=29
